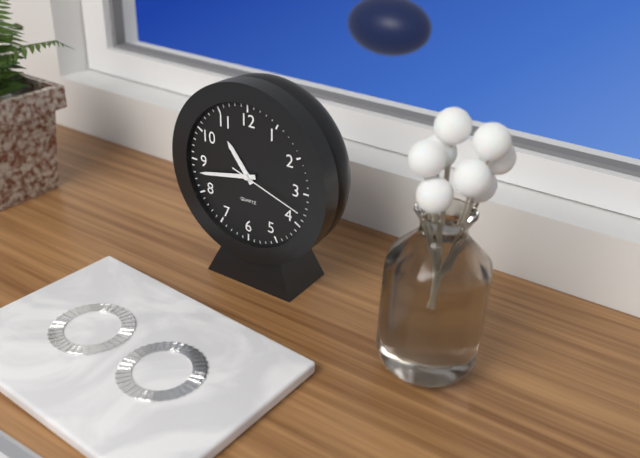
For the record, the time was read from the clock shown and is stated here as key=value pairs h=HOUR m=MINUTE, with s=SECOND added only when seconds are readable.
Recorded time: h=10 m=43 s=18
